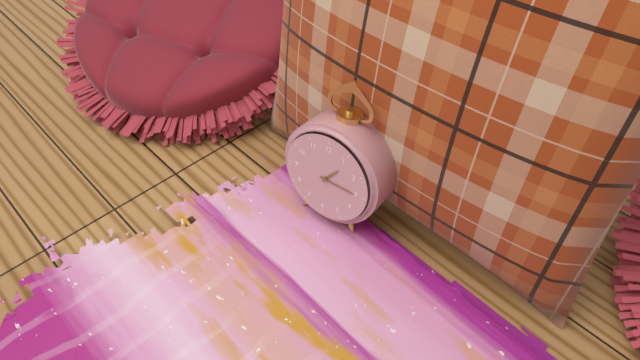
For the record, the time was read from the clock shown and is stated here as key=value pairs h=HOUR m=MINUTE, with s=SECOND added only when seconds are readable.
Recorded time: h=1 m=15
